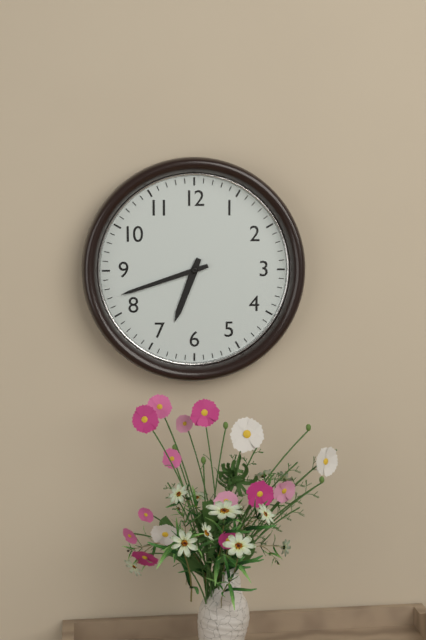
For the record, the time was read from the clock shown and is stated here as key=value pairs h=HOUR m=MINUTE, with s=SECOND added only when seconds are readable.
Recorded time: h=6 m=42
